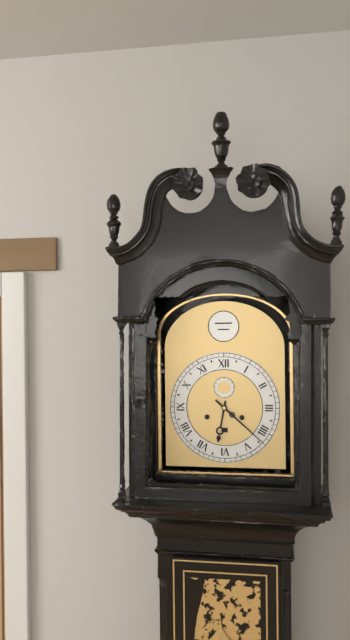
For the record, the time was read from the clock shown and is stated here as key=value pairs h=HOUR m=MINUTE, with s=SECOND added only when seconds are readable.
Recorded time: h=6 m=22
